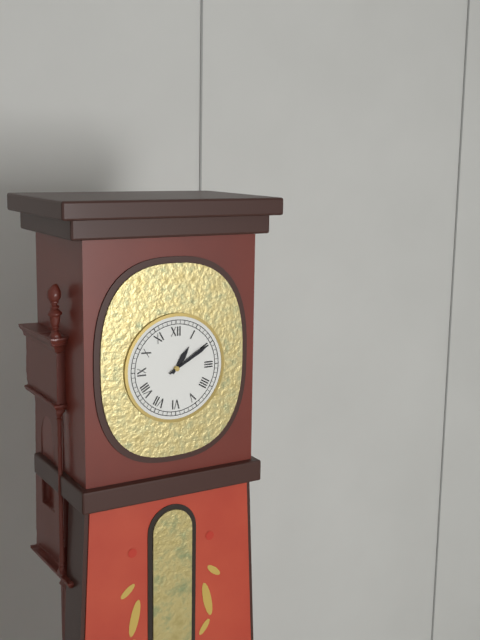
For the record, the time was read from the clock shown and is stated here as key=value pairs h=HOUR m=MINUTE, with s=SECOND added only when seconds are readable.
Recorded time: h=1 m=10
